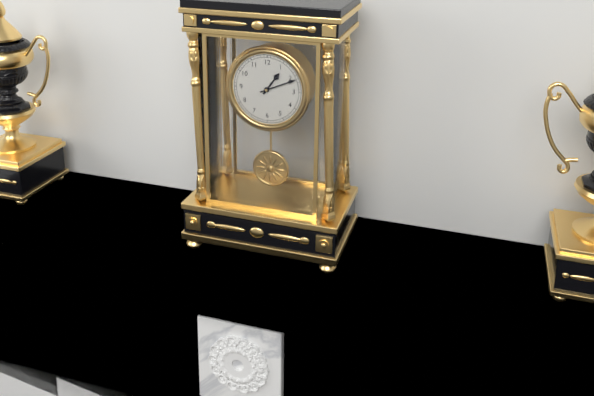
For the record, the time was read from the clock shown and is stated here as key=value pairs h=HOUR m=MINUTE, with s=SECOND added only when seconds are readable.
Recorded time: h=1 m=11
